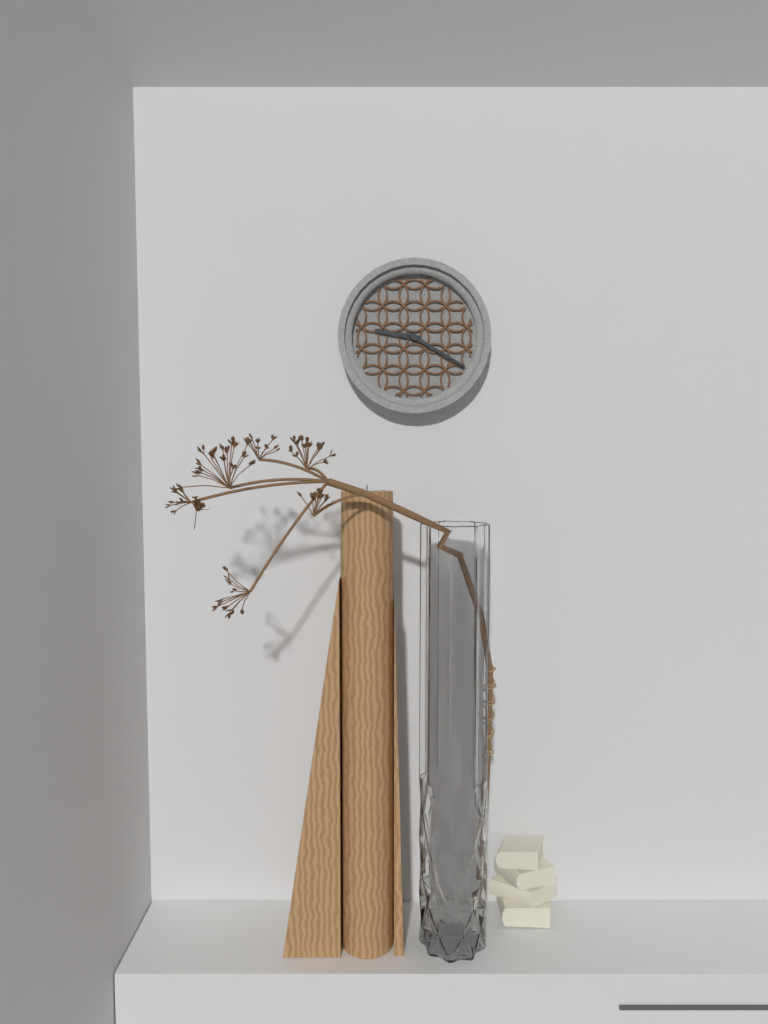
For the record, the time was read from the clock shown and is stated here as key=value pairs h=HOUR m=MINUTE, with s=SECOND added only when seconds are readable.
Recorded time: h=9 m=20
